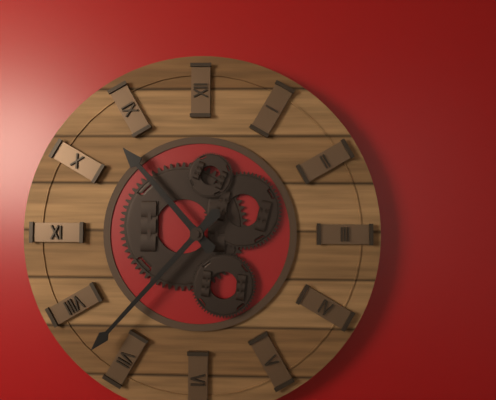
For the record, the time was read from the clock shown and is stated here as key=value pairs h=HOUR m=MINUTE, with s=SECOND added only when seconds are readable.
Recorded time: h=10 m=37
